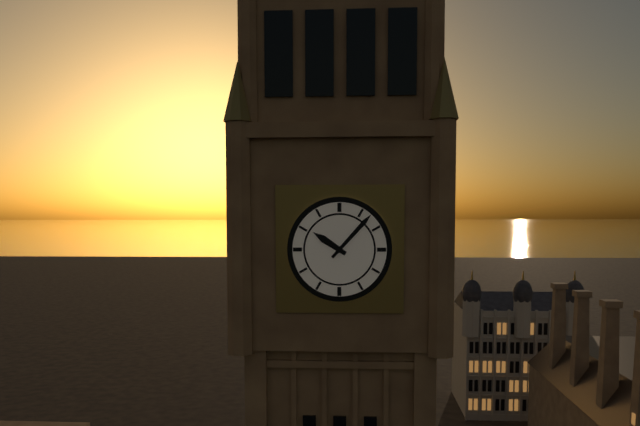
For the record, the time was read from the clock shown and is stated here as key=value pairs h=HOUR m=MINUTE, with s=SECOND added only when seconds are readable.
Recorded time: h=10 m=7
